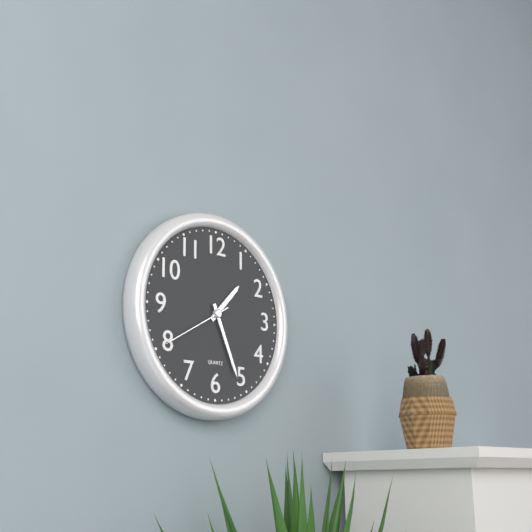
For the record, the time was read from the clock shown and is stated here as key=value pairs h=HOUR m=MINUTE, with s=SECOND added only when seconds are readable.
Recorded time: h=1 m=26 s=40
